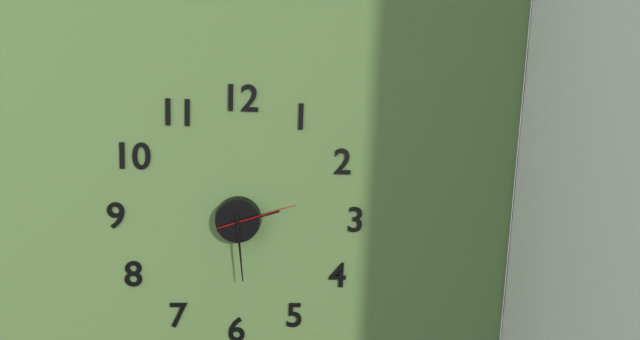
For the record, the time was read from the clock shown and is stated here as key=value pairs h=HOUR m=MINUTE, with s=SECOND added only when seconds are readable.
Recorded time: h=2 m=29 s=12
